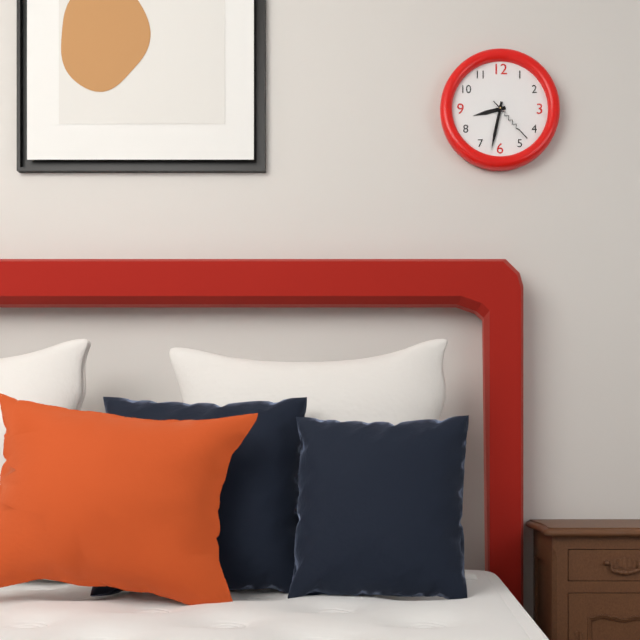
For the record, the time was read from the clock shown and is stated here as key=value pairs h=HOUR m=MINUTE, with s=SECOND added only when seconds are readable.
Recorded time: h=8 m=32 s=23
